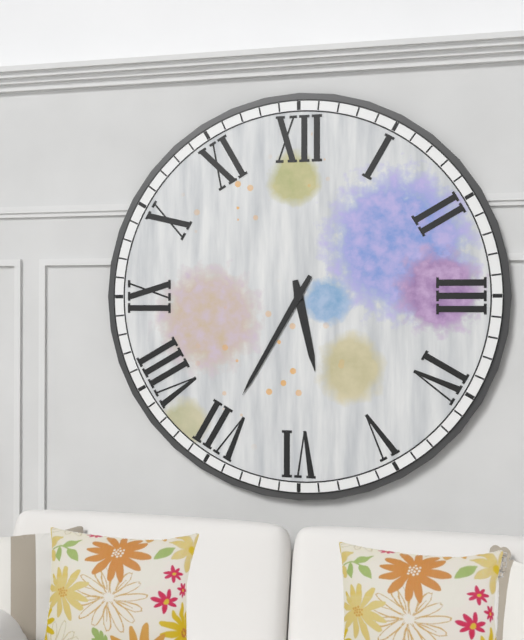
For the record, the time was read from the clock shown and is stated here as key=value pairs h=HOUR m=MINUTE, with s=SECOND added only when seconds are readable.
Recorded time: h=5 m=35
